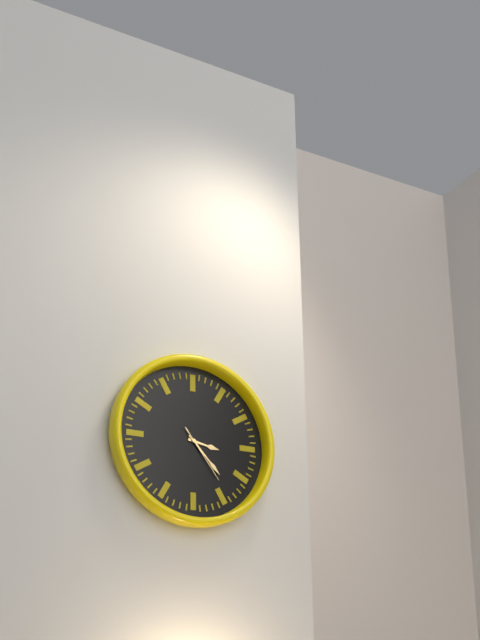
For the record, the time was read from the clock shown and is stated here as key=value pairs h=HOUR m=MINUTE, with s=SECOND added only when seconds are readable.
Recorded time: h=3 m=23 s=24
